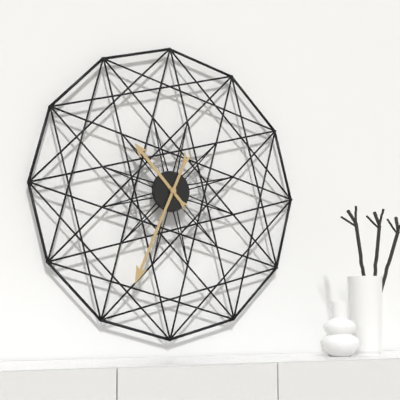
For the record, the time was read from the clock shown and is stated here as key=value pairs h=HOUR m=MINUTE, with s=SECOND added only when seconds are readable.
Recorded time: h=10 m=34
